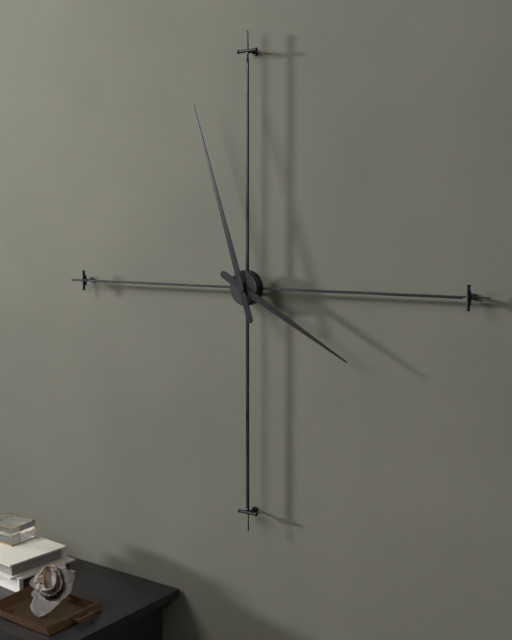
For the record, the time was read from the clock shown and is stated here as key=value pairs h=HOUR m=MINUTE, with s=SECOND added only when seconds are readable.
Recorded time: h=3 m=57
